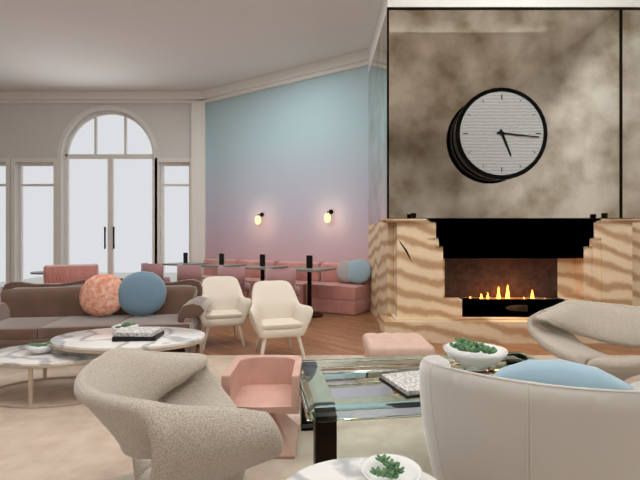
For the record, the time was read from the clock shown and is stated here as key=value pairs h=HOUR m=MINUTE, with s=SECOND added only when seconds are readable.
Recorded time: h=5 m=16
